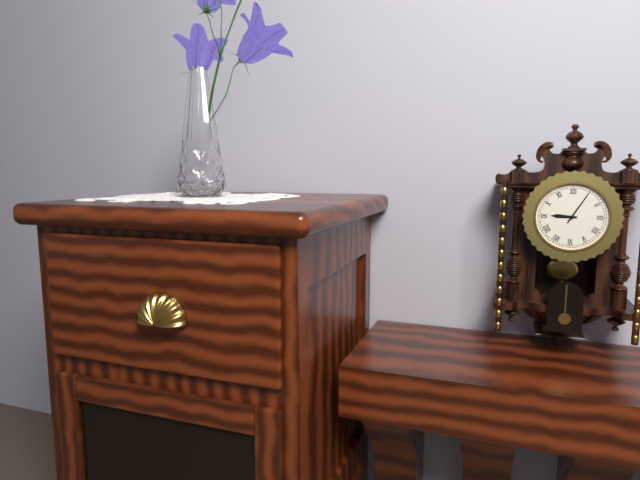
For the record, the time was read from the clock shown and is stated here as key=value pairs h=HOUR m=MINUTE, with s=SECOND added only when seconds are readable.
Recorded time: h=9 m=5
